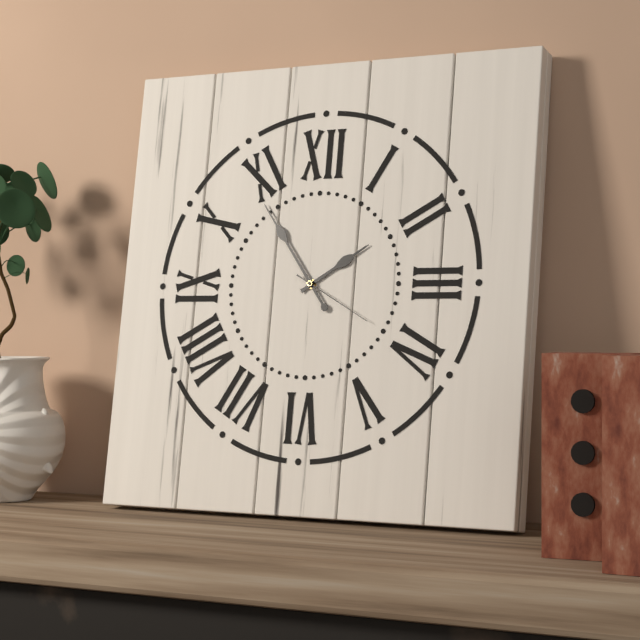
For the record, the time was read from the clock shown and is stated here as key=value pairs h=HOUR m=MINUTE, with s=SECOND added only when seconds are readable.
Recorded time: h=1 m=54 s=20
